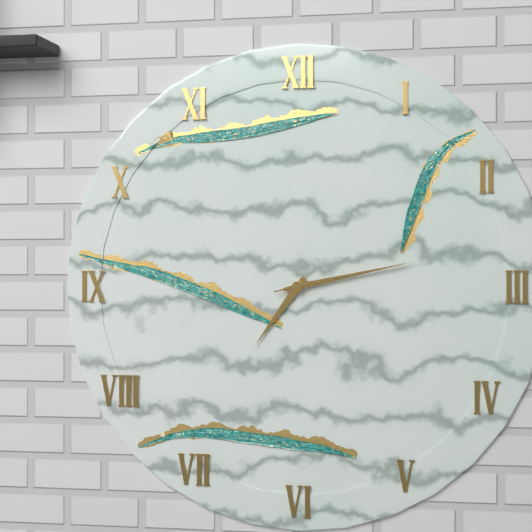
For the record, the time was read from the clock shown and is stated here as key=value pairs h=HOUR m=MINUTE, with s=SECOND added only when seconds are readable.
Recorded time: h=7 m=13 s=13
